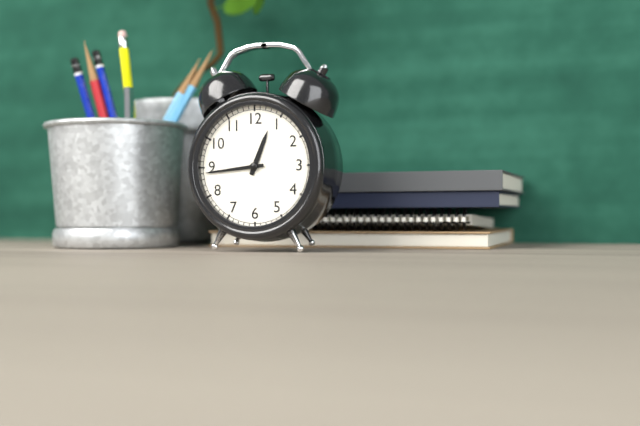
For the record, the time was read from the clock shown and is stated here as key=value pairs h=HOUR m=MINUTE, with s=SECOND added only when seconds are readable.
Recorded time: h=12 m=44
